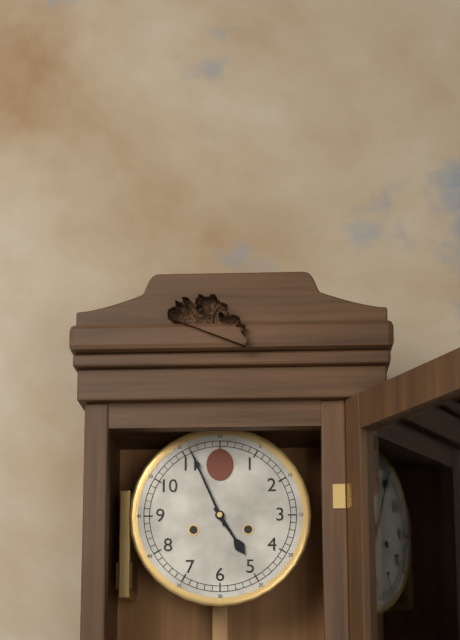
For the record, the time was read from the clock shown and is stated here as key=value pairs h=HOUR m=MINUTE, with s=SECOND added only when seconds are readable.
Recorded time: h=4 m=56
